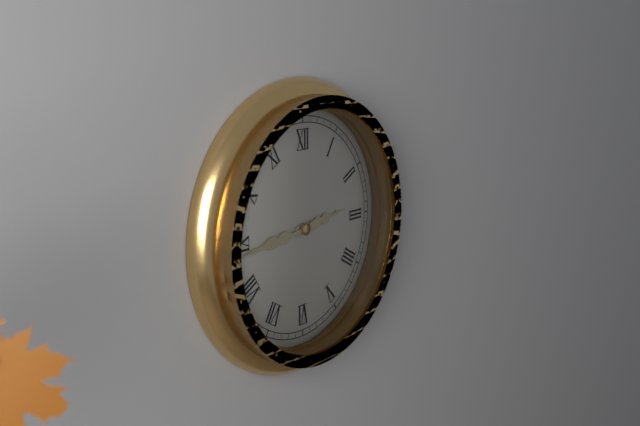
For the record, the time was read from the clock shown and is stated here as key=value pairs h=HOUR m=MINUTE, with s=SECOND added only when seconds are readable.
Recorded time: h=2 m=44
